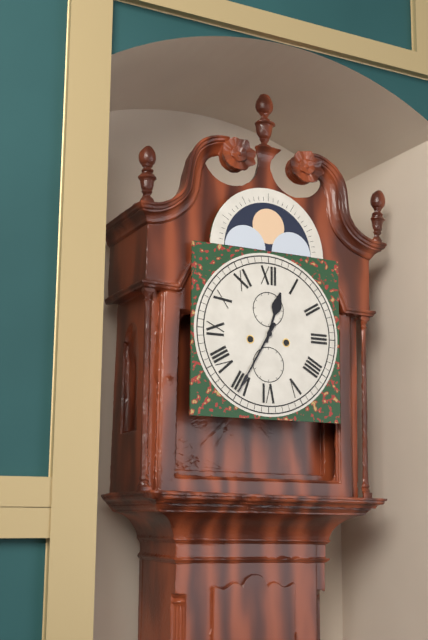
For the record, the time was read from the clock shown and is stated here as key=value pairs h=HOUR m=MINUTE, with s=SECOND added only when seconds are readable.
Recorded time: h=12 m=35
